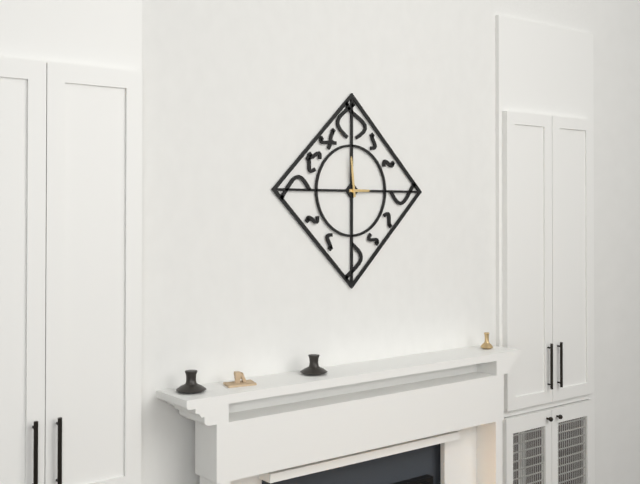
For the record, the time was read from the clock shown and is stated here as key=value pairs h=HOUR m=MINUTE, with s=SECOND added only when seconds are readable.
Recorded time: h=2 m=59
